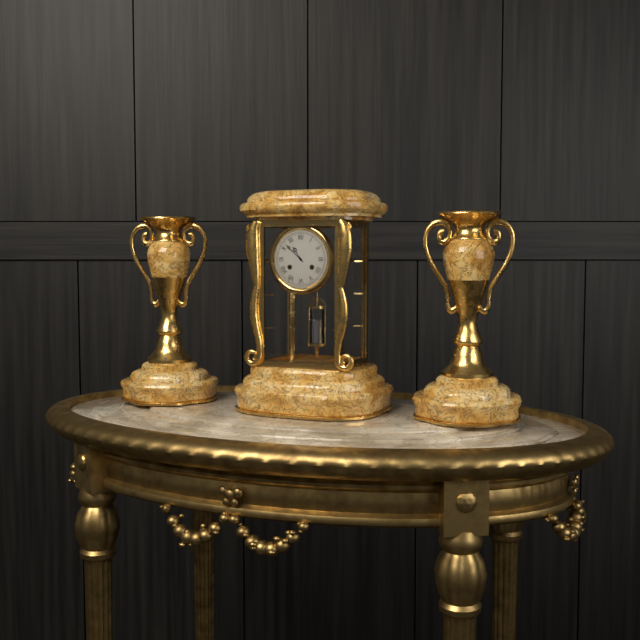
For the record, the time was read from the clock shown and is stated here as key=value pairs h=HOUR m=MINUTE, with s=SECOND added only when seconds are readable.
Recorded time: h=10 m=52
